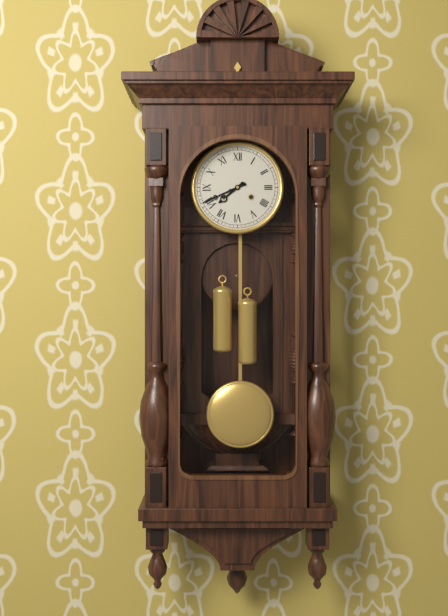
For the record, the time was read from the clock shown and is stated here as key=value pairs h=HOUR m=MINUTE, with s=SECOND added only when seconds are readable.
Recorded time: h=7 m=41
